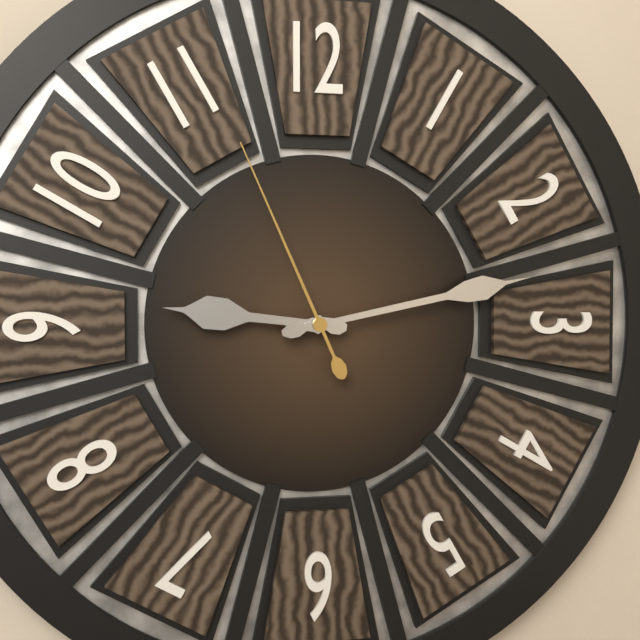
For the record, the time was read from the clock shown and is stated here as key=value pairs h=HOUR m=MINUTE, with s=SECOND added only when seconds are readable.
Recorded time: h=9 m=13 s=56
